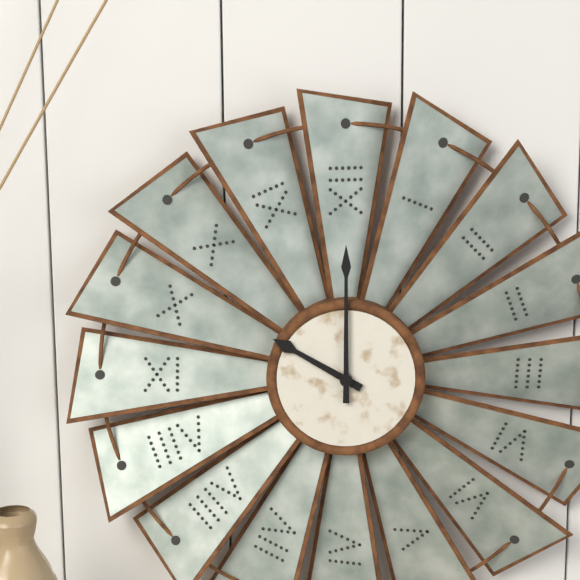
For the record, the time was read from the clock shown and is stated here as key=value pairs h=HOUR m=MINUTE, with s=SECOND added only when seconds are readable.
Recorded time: h=10 m=0
